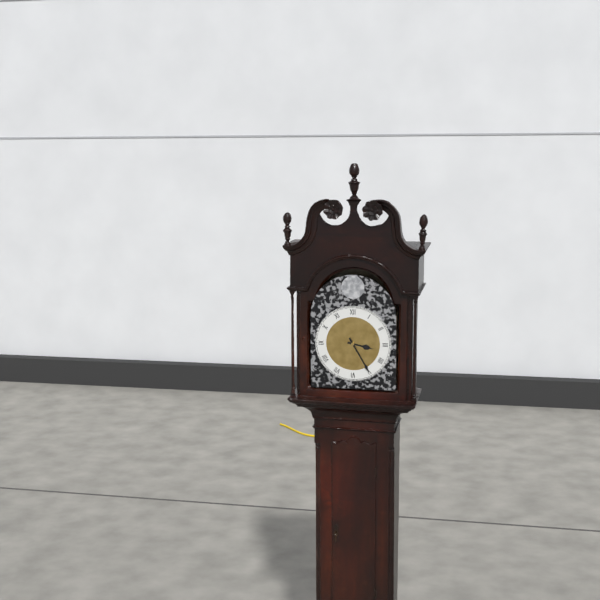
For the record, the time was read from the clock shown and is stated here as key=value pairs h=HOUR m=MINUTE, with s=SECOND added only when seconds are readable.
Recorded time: h=3 m=25
